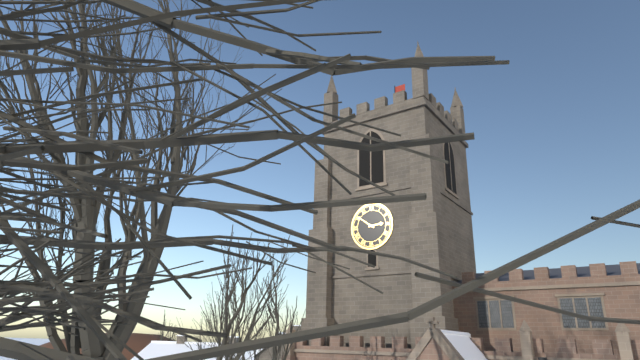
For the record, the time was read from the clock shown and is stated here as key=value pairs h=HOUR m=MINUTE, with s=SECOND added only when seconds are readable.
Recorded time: h=2 m=51
